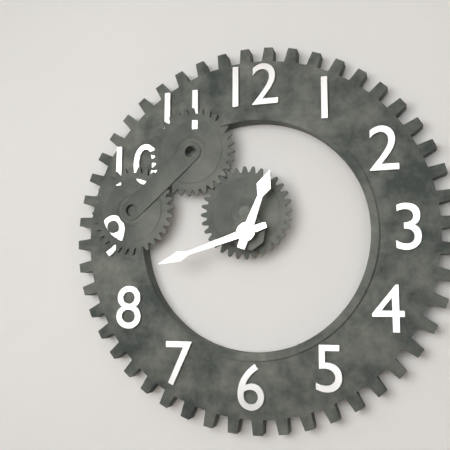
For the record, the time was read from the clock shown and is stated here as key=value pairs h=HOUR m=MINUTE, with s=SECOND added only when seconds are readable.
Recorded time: h=12 m=42
